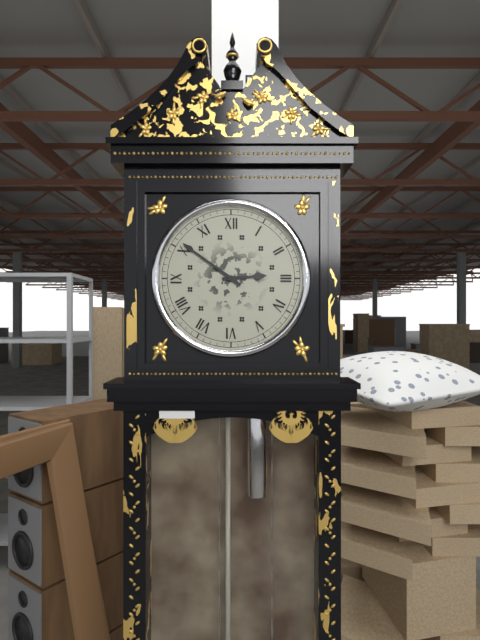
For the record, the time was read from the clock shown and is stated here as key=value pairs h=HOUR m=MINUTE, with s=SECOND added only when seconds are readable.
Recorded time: h=2 m=51
